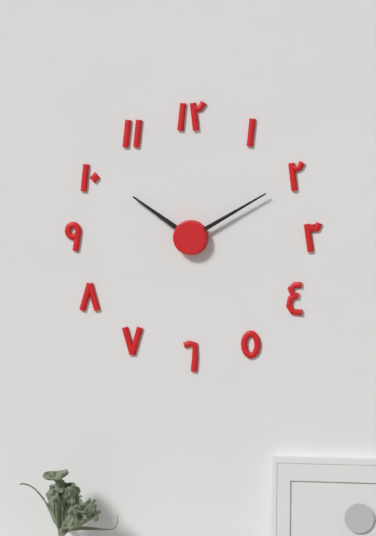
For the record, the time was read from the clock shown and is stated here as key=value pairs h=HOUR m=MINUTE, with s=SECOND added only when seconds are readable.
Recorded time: h=10 m=10
